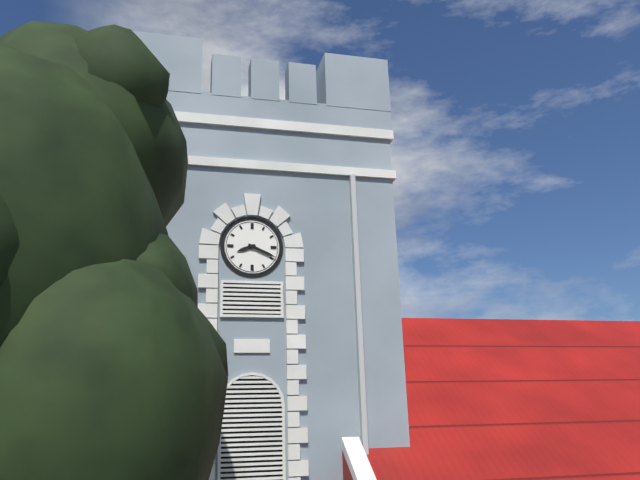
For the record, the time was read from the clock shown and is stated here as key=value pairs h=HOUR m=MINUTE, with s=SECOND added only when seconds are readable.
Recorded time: h=8 m=19
